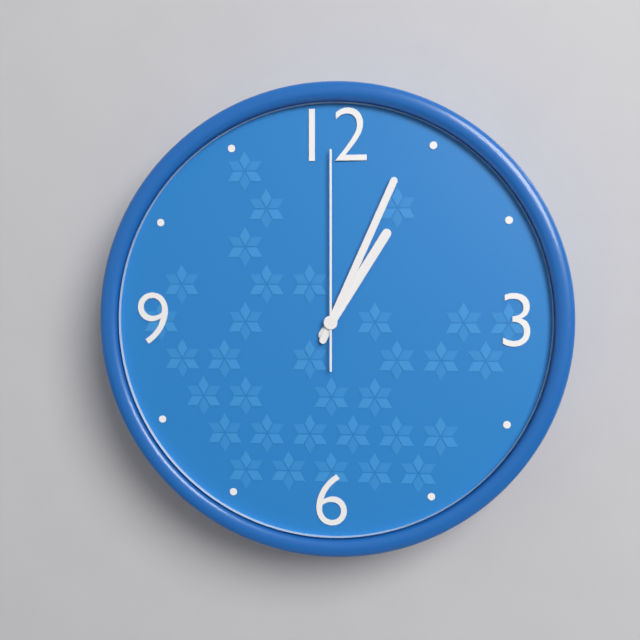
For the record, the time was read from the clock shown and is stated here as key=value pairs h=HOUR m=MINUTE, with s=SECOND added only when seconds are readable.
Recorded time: h=1 m=4 s=0
